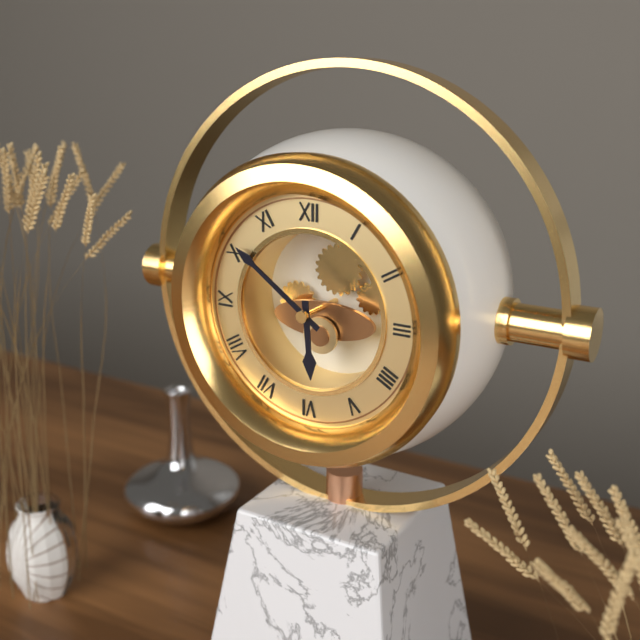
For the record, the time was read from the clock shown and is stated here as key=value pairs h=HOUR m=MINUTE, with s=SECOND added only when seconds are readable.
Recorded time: h=5 m=51
